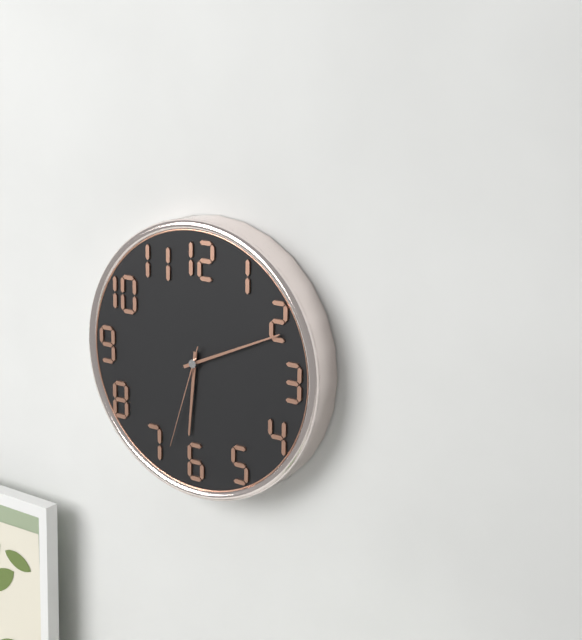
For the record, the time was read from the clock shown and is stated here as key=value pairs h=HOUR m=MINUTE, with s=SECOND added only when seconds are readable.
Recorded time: h=6 m=11 s=33
